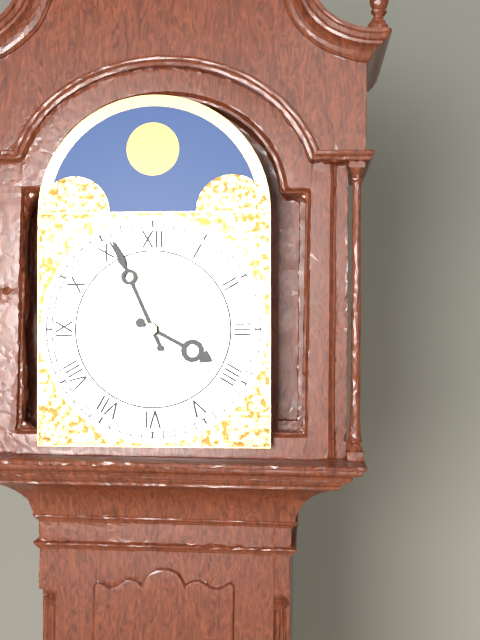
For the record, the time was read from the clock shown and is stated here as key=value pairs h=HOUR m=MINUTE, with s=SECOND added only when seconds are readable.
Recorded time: h=3 m=56
